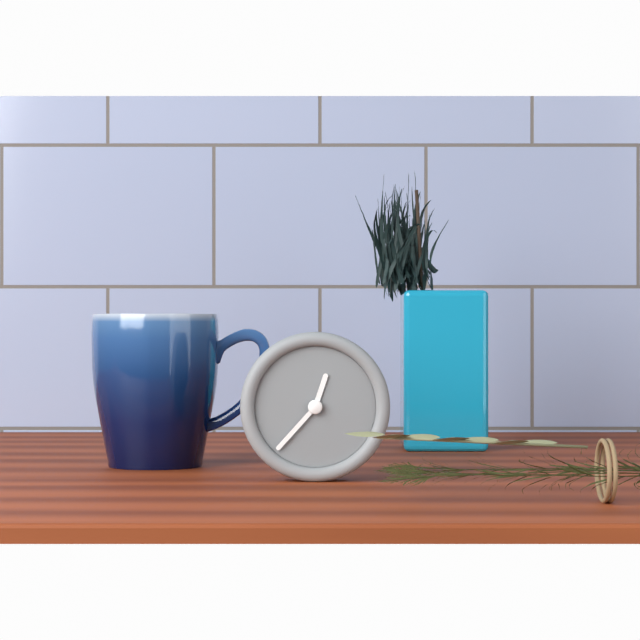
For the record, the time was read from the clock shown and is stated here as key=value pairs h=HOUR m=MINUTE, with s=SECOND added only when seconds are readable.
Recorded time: h=12 m=37
